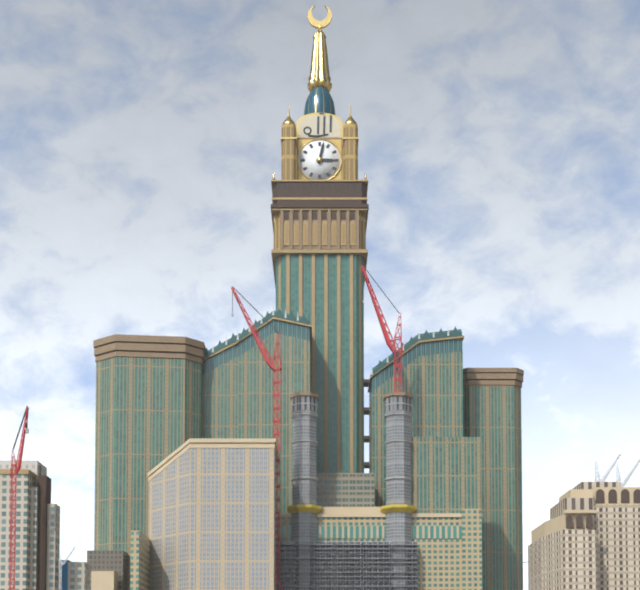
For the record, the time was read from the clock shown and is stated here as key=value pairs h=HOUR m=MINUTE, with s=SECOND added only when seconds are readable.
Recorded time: h=3 m=2
